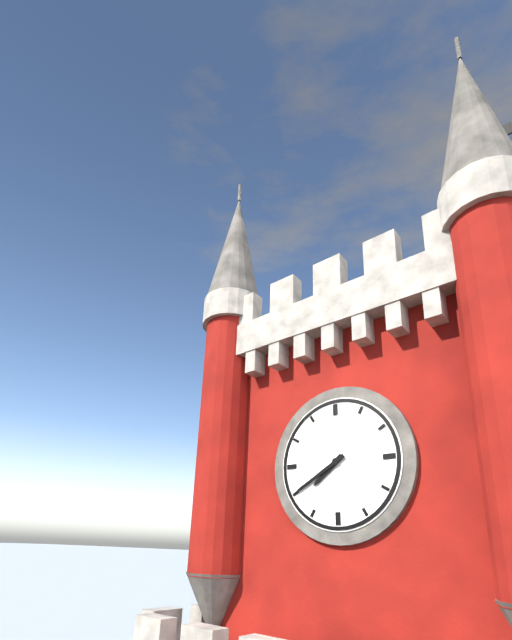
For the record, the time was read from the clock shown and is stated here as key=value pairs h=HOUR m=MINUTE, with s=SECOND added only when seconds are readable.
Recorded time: h=7 m=40
